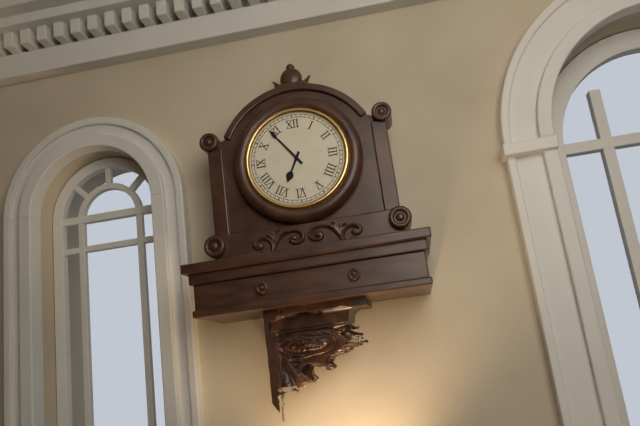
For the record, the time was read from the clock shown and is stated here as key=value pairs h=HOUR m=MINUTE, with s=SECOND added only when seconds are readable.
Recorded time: h=6 m=54
